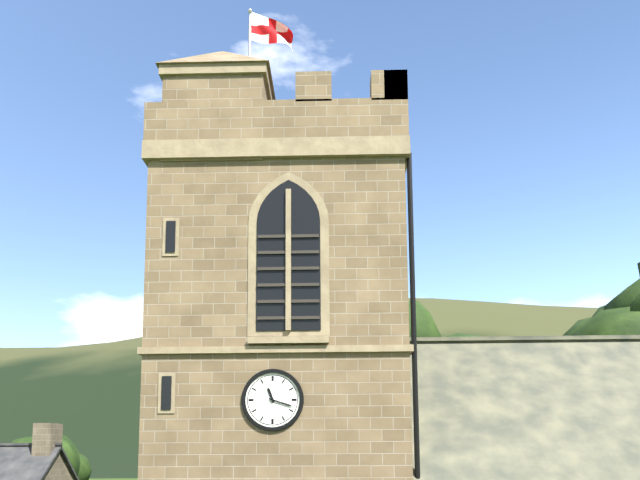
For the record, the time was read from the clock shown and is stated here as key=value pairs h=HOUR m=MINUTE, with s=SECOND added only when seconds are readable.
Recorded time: h=11 m=18
